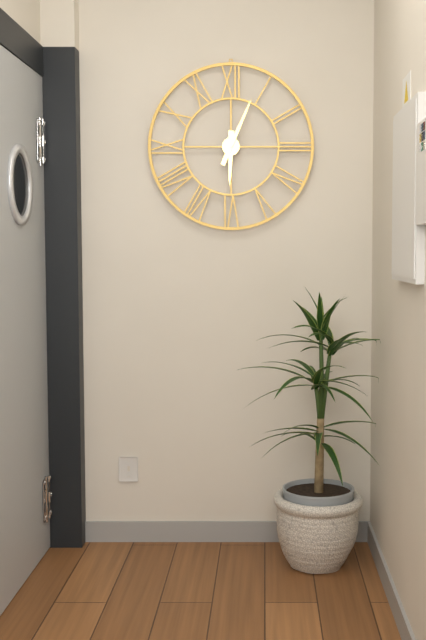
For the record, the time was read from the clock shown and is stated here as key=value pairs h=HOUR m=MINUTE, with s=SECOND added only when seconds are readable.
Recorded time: h=6 m=4
